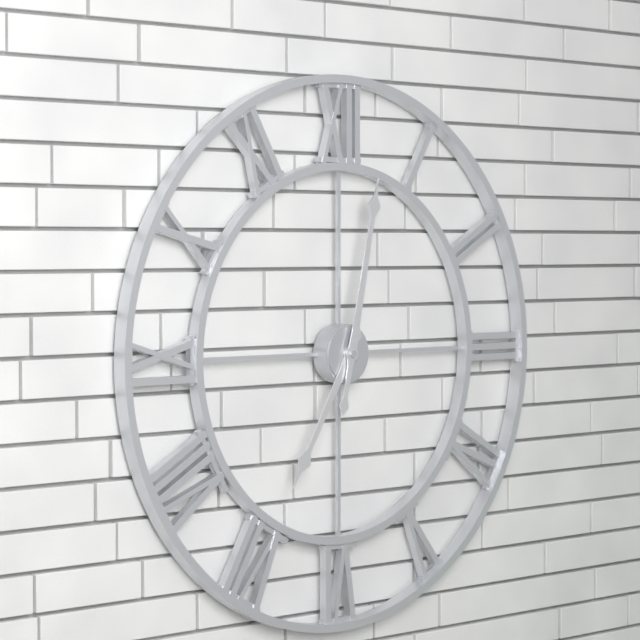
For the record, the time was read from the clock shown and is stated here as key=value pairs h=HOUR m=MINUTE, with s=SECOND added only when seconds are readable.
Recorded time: h=7 m=2
